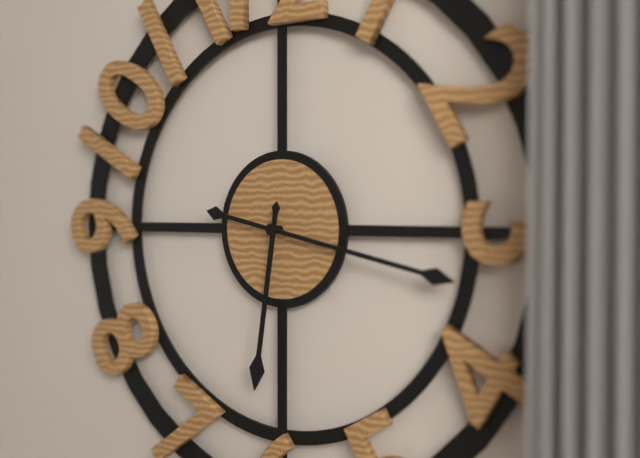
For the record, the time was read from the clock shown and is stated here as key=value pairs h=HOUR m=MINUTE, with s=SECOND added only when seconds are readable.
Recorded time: h=6 m=17
